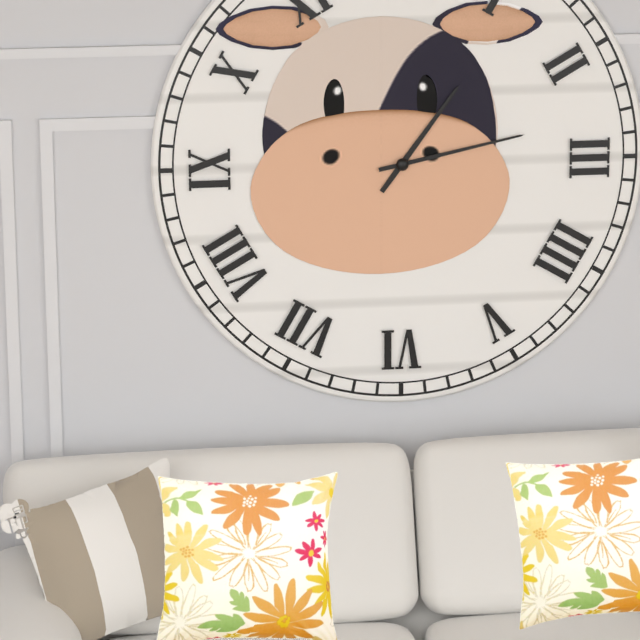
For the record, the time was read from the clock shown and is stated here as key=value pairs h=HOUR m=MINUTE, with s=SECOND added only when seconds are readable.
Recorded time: h=1 m=13
